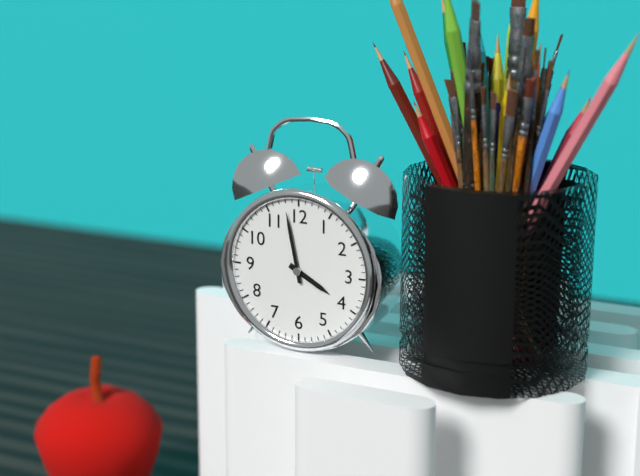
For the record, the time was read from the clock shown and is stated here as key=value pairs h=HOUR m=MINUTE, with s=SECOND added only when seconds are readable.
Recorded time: h=3 m=58
